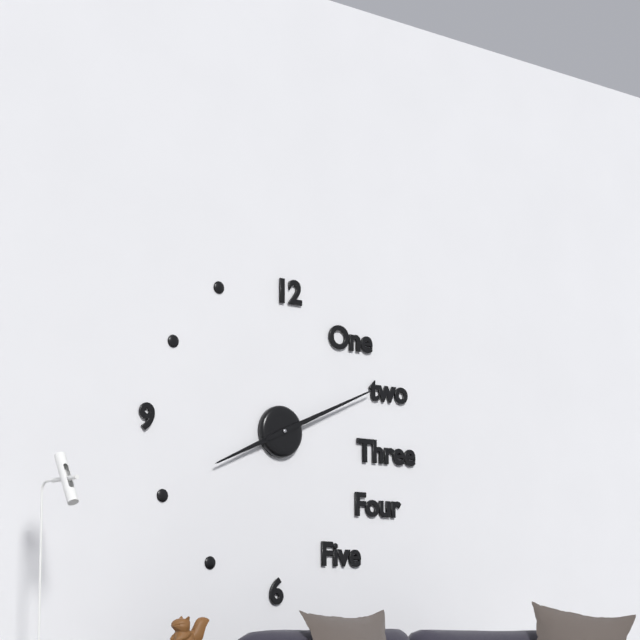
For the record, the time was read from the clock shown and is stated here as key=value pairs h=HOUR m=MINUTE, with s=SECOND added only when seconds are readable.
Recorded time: h=8 m=11
